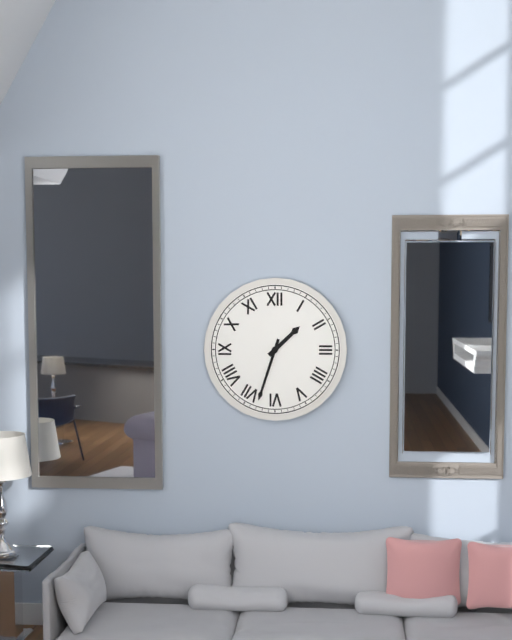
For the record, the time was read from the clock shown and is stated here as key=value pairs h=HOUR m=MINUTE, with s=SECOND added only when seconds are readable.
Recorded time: h=1 m=33
